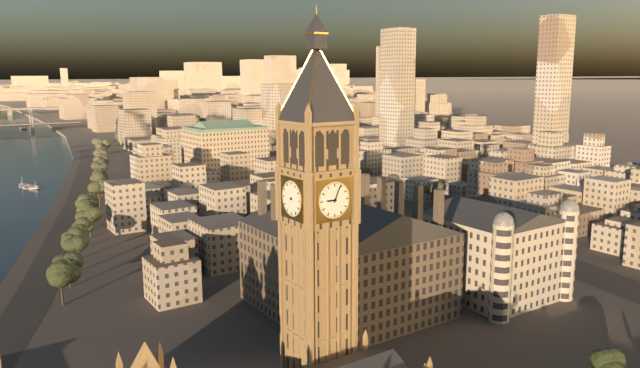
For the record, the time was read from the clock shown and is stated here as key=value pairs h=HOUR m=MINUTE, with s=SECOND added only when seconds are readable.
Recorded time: h=9 m=4
